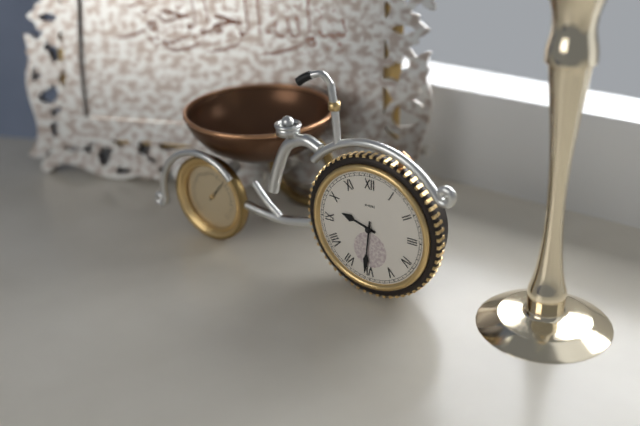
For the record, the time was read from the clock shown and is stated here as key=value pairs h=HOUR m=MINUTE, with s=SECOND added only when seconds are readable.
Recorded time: h=9 m=31
